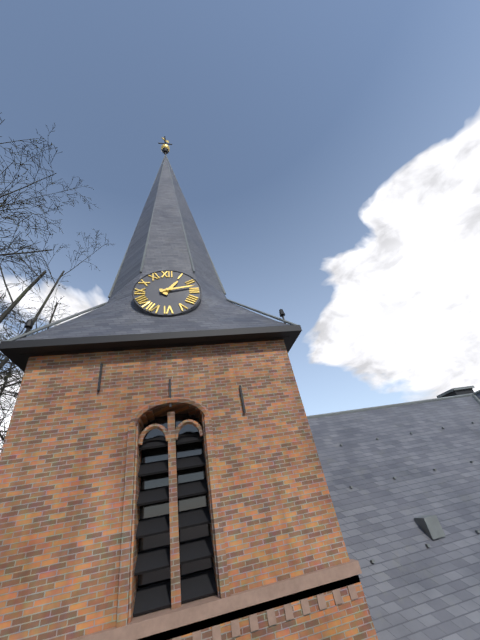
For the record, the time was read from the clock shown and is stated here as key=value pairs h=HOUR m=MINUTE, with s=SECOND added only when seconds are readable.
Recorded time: h=1 m=13
